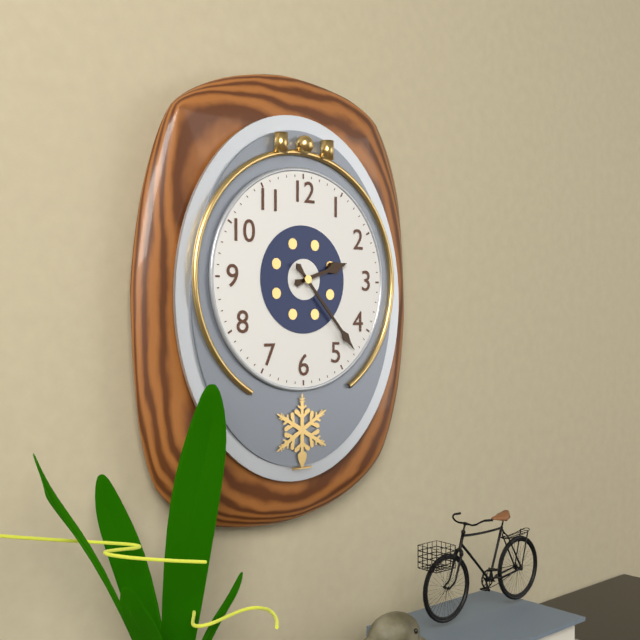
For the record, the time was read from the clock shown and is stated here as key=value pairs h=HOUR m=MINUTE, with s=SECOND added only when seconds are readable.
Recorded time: h=2 m=23
